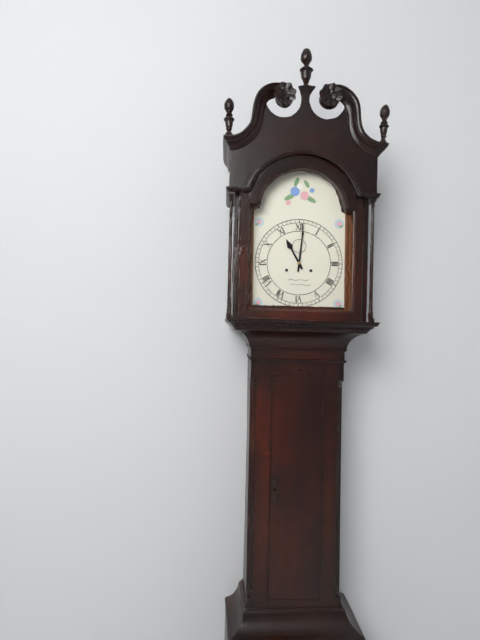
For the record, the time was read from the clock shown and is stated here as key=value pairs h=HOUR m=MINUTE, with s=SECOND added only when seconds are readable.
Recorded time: h=11 m=1
